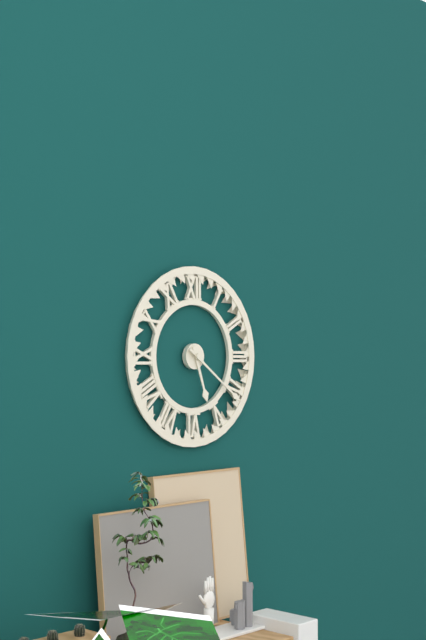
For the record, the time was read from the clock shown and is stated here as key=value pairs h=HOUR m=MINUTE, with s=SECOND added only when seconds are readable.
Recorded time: h=5 m=21
